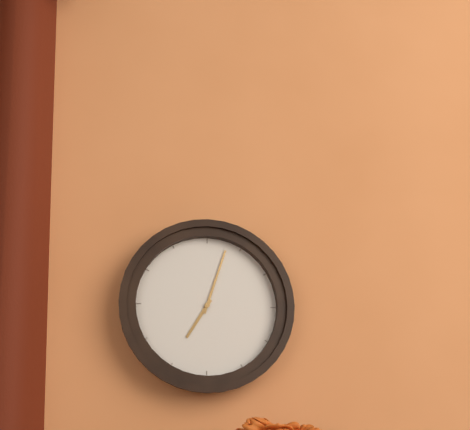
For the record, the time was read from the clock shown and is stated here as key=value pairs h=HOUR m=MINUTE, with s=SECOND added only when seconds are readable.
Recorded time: h=7 m=3
